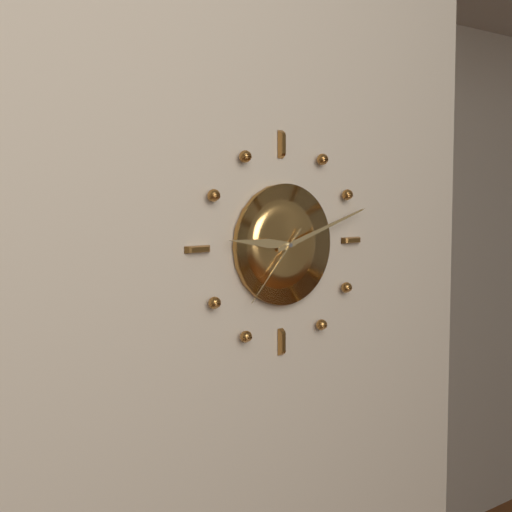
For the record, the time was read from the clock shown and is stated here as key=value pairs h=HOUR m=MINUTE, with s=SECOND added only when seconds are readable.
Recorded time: h=9 m=12 s=37
